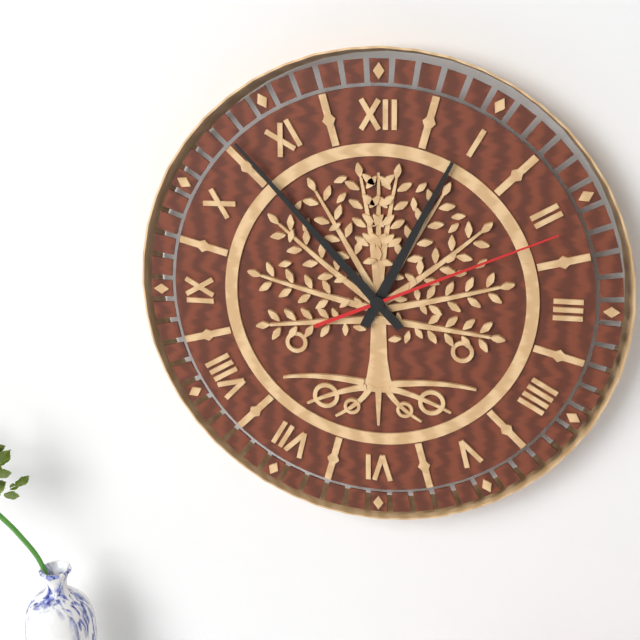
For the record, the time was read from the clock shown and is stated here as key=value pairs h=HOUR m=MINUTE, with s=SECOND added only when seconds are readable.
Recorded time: h=12 m=53 s=11
